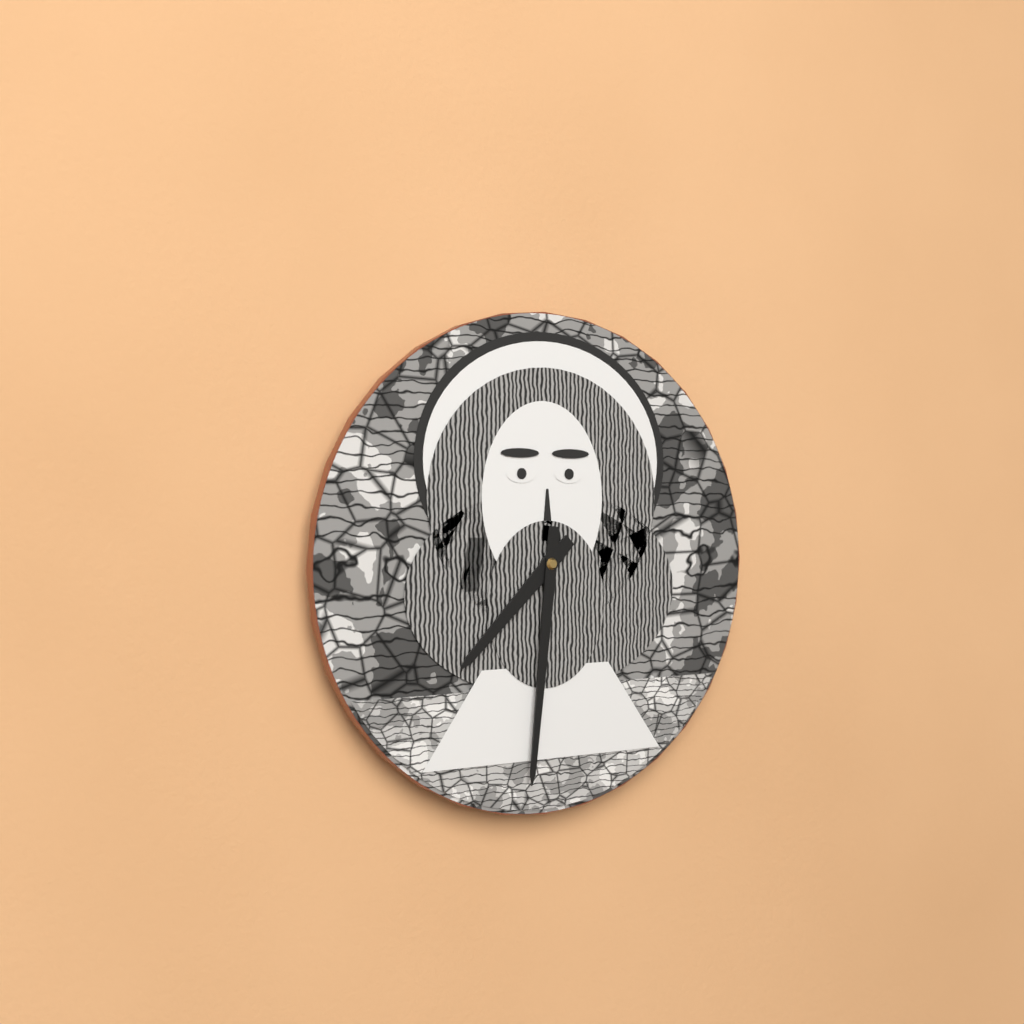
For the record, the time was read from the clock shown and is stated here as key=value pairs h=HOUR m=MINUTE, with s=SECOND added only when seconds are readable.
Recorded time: h=7 m=31
